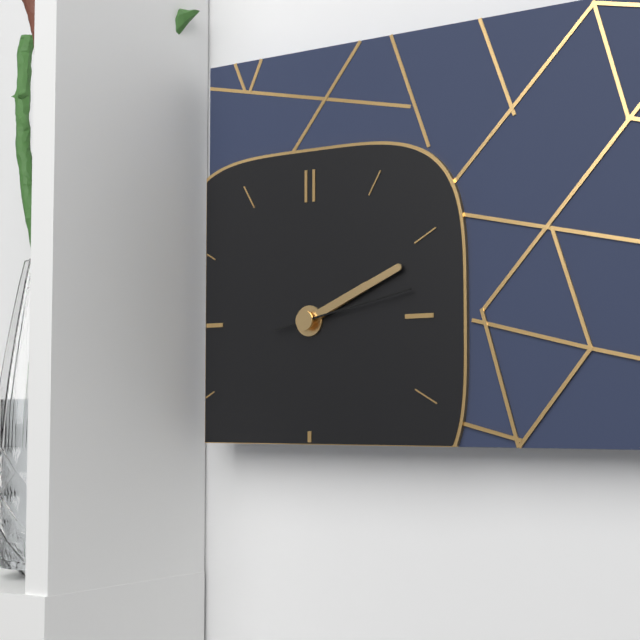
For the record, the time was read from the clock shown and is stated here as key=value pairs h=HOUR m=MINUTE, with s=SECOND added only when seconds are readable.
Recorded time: h=2 m=11 s=13
